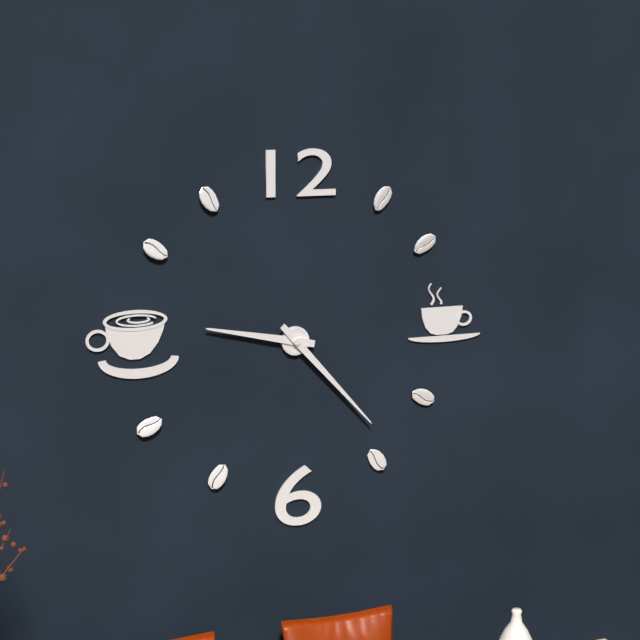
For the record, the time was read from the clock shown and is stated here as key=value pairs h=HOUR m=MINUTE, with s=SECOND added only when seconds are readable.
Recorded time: h=9 m=23
